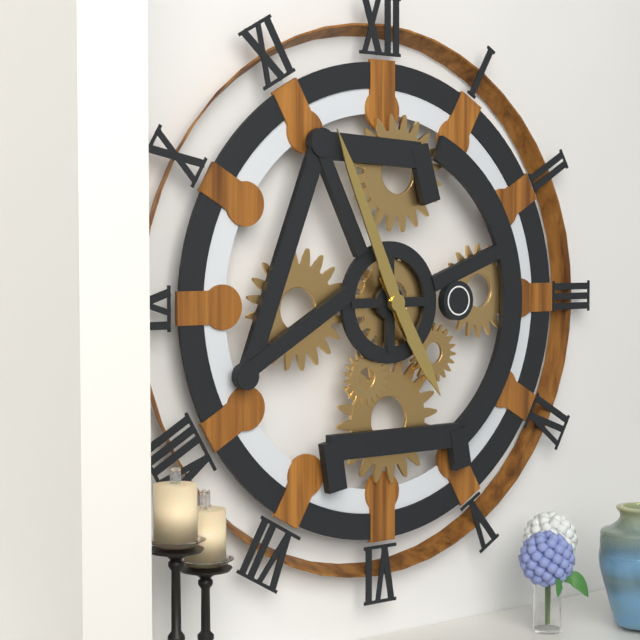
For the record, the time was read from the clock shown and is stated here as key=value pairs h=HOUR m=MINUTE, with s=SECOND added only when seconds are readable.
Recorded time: h=4 m=56
